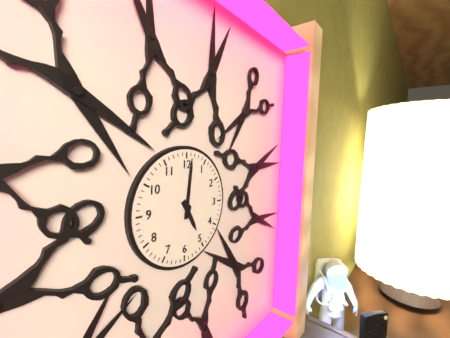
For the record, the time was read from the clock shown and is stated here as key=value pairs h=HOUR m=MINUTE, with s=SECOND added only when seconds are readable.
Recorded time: h=5 m=1
